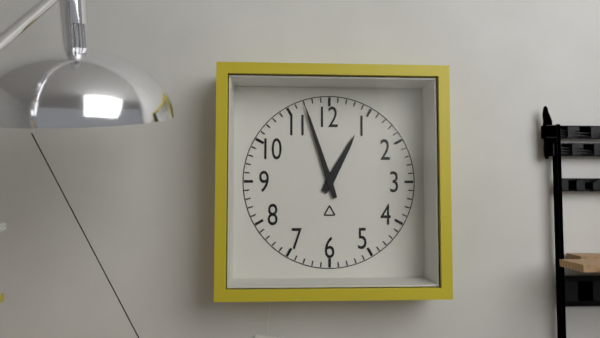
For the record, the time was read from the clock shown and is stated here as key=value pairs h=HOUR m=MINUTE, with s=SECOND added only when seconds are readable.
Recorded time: h=12 m=57
